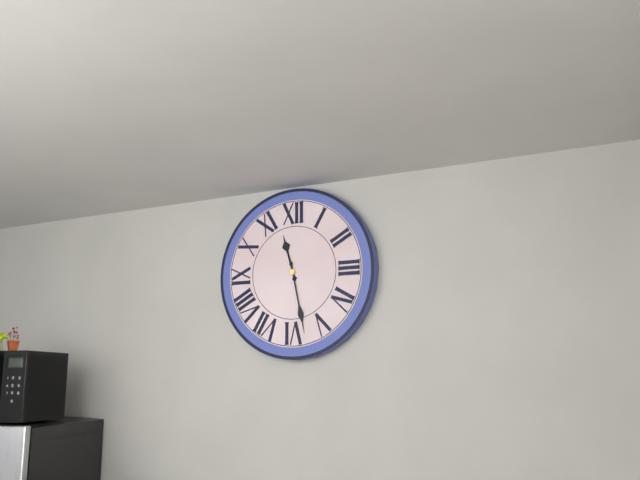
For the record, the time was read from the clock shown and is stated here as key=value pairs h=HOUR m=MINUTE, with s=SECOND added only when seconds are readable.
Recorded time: h=11 m=28
